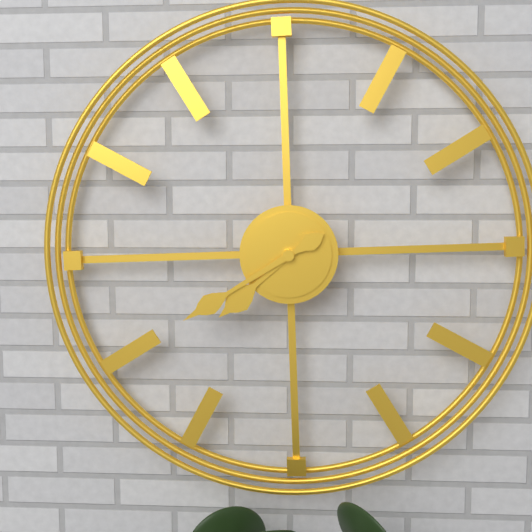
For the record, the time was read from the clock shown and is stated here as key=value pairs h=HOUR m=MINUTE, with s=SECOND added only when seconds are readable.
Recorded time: h=7 m=40
